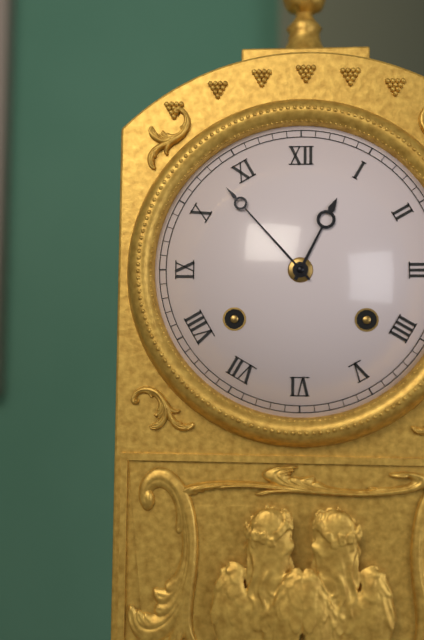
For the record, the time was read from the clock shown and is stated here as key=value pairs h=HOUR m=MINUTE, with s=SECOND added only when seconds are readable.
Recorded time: h=12 m=53
